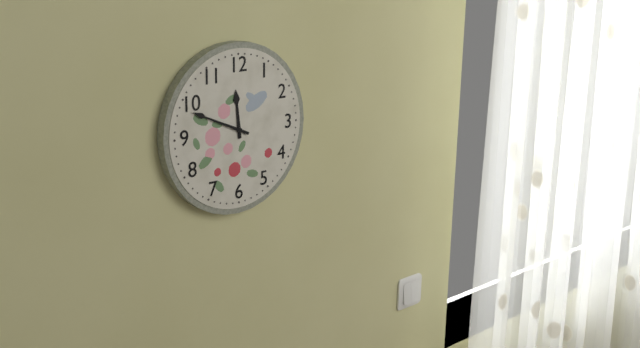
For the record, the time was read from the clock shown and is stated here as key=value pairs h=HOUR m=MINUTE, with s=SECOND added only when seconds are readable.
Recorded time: h=11 m=49
